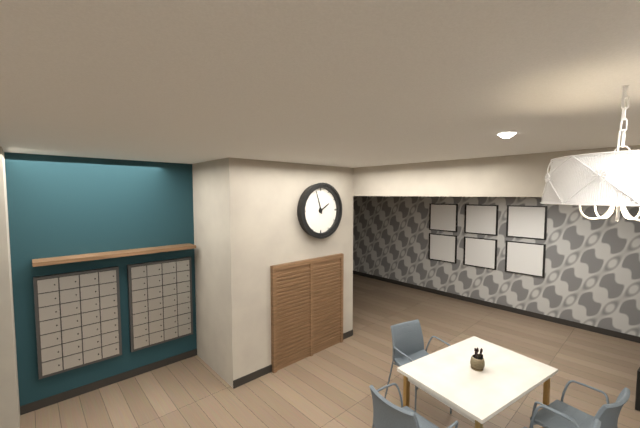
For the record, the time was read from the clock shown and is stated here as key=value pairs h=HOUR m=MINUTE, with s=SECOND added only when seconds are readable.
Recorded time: h=1 m=57
